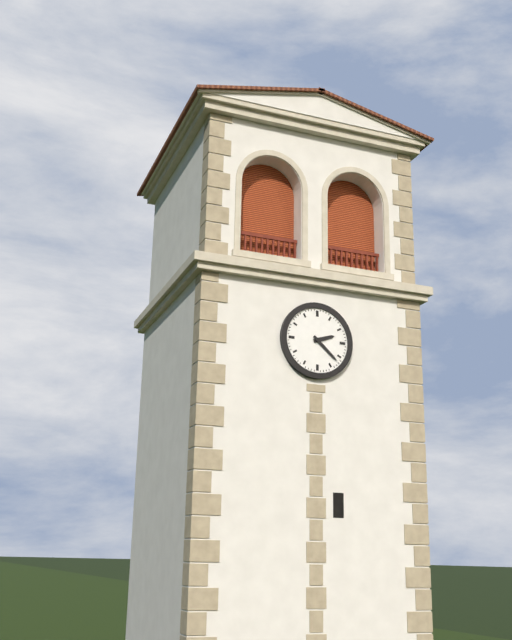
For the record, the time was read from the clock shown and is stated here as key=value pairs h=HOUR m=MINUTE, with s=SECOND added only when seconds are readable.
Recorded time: h=2 m=22
